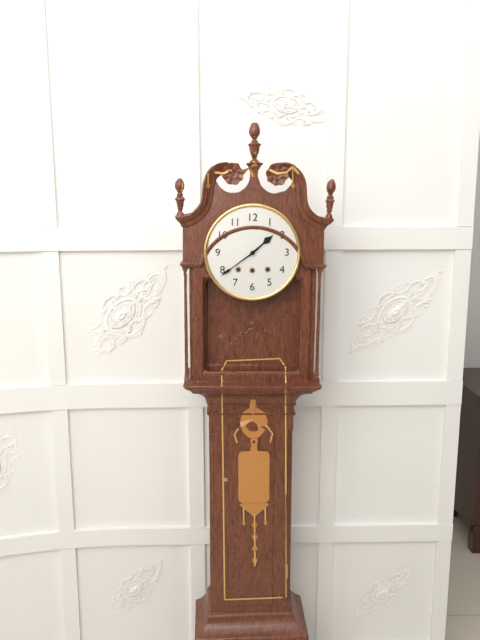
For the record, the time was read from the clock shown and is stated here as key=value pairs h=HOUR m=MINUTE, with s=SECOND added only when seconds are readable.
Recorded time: h=1 m=39
